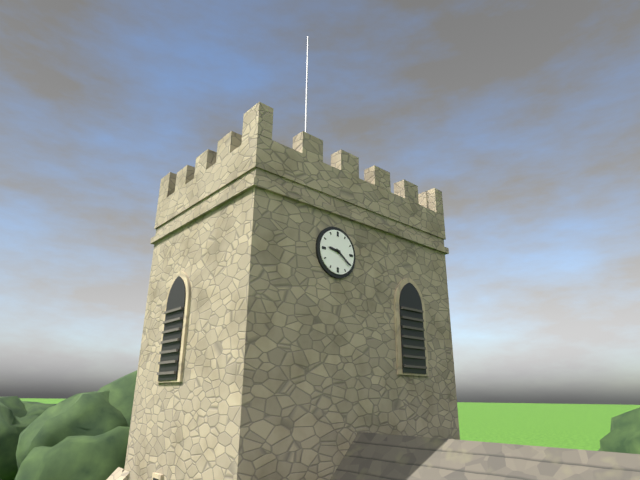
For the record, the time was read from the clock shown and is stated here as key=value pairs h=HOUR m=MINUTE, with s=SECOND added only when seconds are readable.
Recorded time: h=9 m=21
